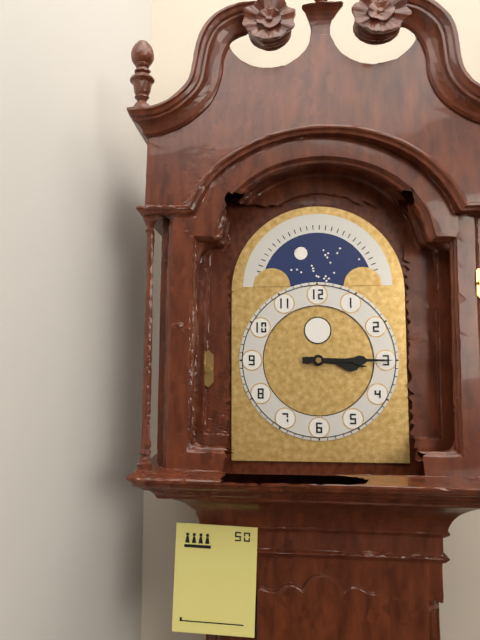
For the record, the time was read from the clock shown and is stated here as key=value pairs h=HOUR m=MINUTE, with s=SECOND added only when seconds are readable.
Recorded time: h=3 m=15
